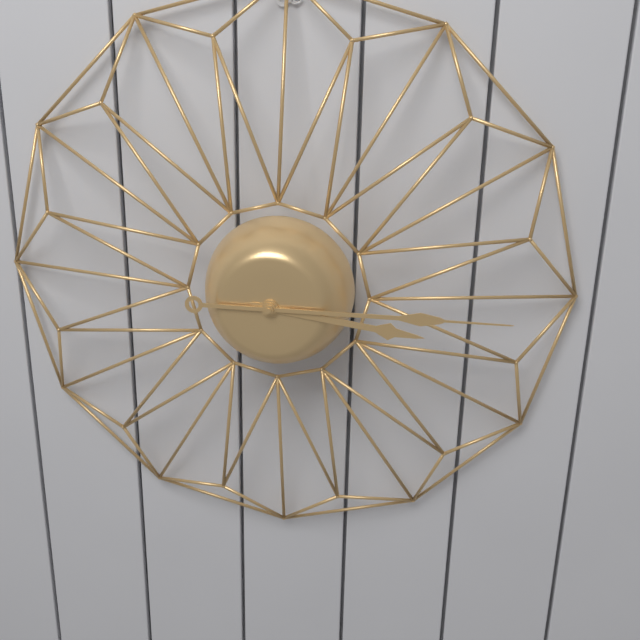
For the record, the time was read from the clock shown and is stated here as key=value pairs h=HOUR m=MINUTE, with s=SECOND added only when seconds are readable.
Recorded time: h=3 m=15
